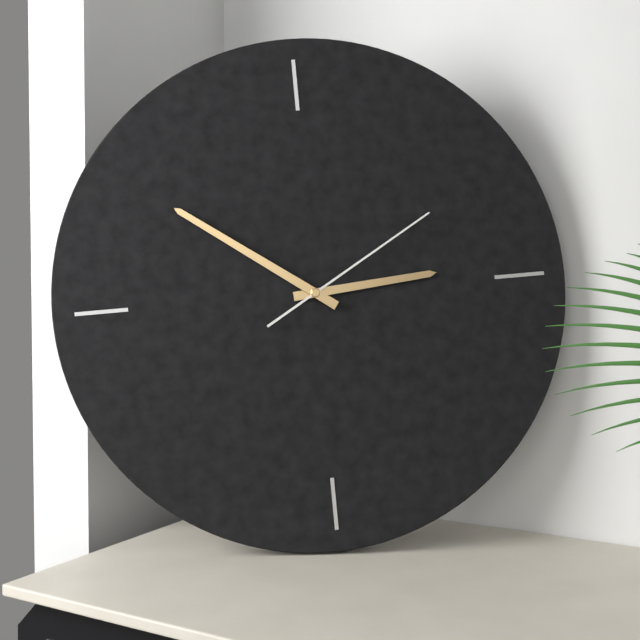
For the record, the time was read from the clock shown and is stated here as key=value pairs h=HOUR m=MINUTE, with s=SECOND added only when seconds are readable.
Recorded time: h=2 m=51 s=10
